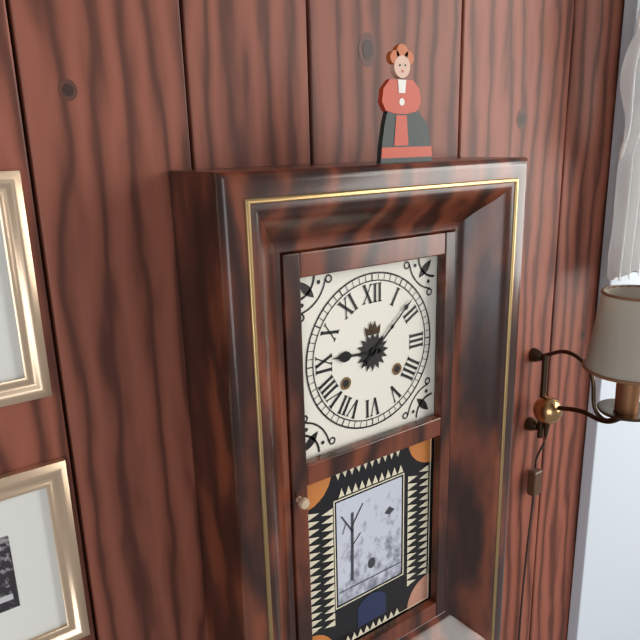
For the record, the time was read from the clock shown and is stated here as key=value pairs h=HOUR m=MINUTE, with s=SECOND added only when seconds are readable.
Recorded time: h=9 m=8
